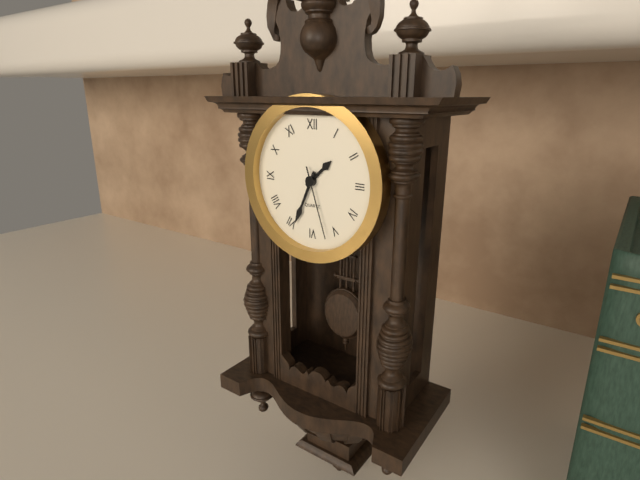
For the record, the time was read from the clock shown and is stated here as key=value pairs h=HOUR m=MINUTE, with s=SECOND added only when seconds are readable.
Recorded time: h=1 m=34 s=27
